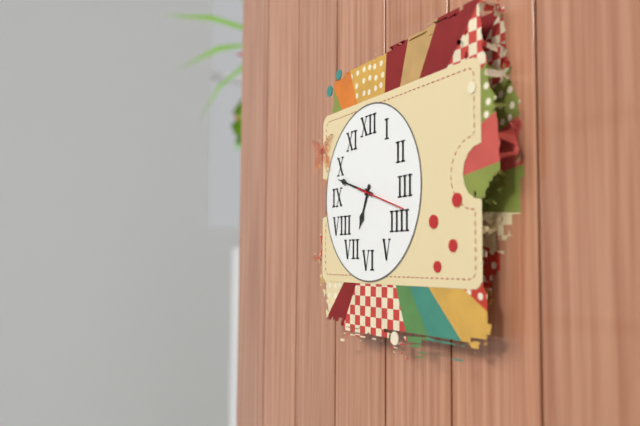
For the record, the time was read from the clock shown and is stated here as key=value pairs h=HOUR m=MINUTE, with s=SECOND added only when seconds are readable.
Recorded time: h=6 m=48 s=18
